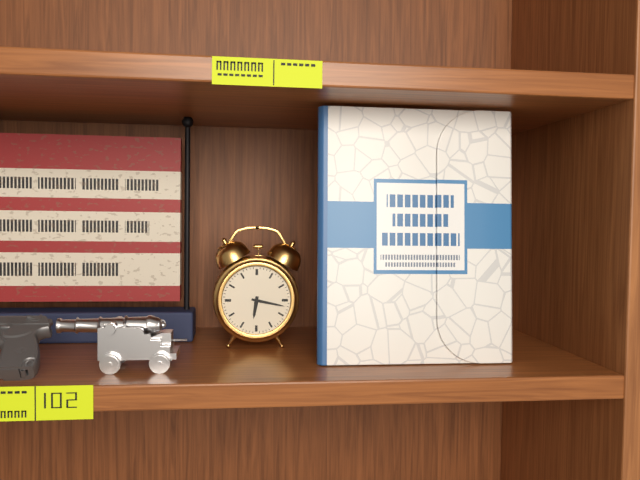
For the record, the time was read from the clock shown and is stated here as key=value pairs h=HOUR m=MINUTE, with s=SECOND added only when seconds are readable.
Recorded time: h=6 m=17
